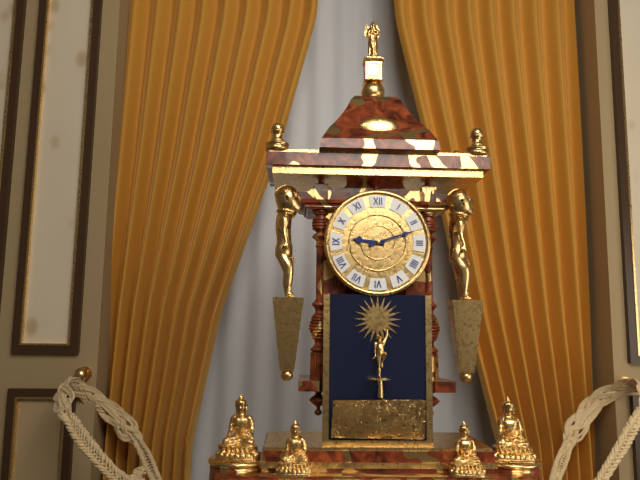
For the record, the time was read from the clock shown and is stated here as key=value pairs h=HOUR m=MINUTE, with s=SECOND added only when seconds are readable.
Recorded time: h=9 m=12
